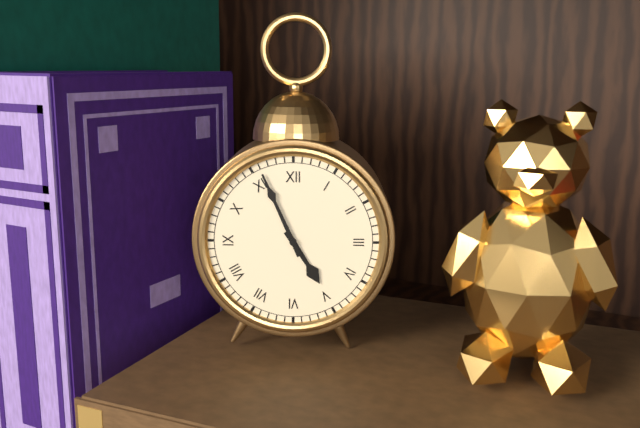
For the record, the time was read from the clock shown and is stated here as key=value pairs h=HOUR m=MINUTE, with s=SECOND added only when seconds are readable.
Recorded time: h=4 m=56
